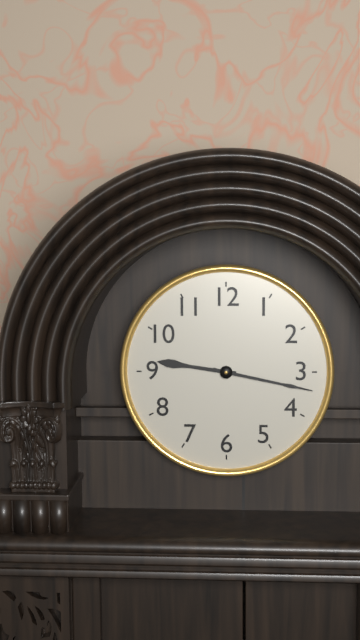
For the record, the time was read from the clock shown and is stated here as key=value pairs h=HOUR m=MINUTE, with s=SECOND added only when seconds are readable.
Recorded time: h=9 m=17
